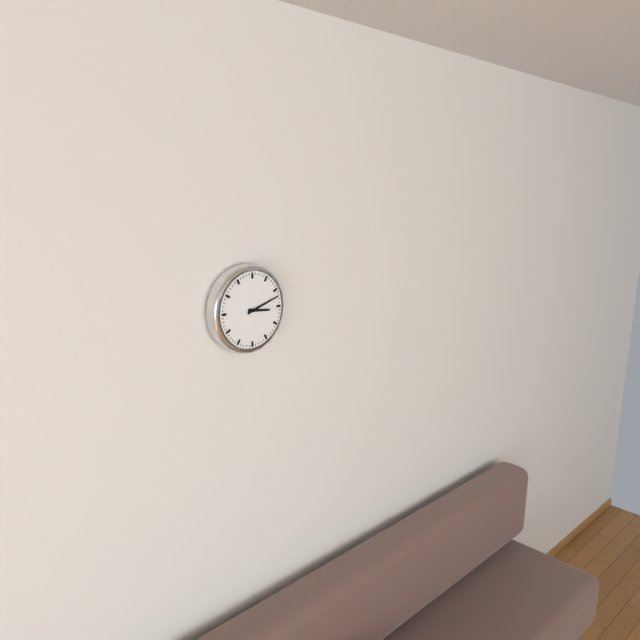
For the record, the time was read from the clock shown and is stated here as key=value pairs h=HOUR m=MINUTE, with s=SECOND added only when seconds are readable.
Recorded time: h=3 m=12
